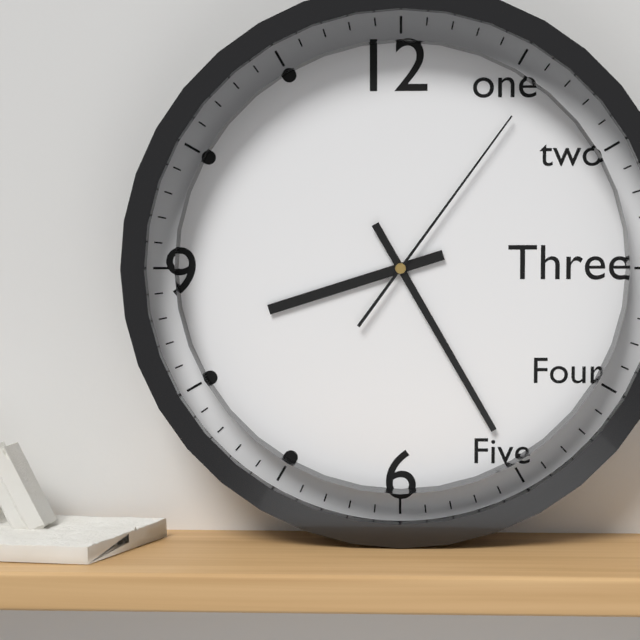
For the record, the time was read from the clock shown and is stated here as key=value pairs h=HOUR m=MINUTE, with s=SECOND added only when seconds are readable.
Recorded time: h=8 m=25 s=6
